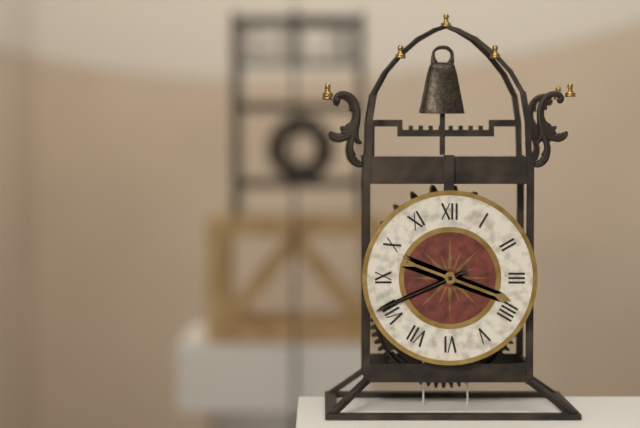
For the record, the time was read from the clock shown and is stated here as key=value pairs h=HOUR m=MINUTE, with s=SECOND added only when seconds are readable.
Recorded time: h=3 m=41
